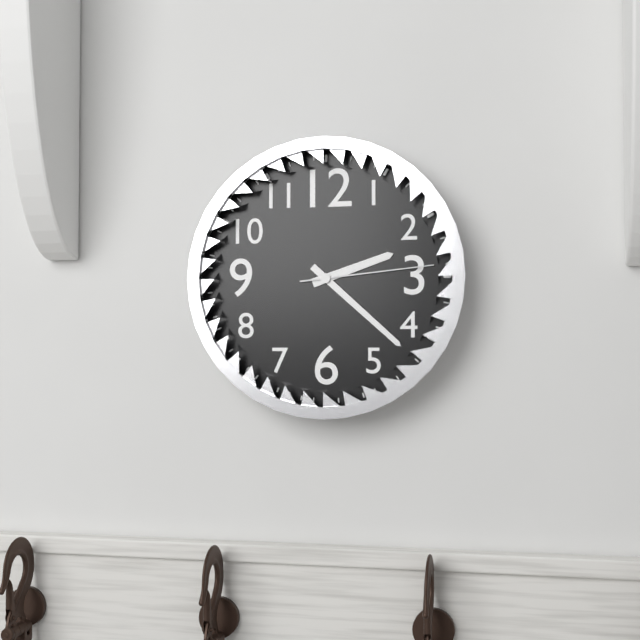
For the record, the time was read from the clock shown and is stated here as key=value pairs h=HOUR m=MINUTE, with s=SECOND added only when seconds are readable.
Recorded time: h=2 m=22 s=14
